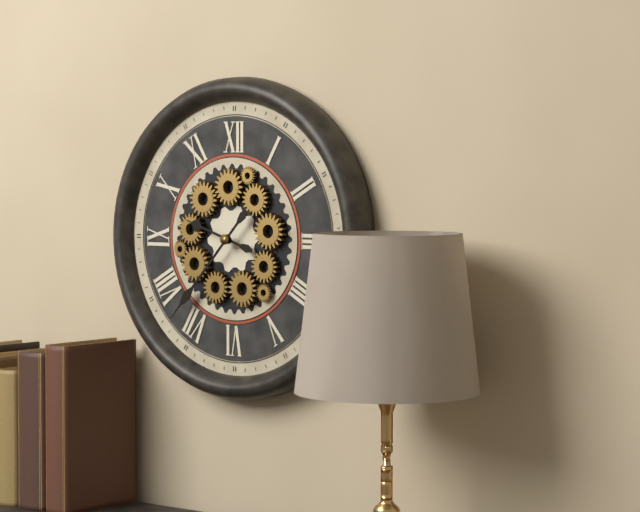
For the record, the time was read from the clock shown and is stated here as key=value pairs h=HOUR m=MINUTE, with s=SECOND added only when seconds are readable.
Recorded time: h=9 m=37
